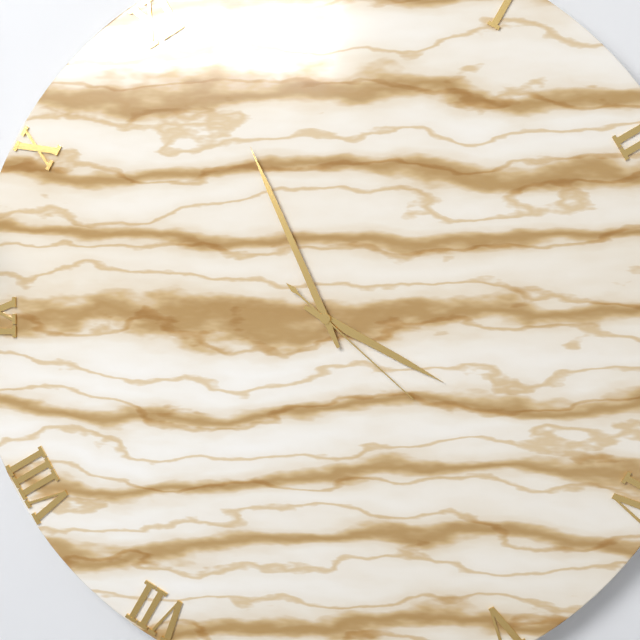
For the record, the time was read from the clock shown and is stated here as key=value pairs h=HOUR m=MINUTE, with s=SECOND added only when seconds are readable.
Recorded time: h=3 m=56 s=22
